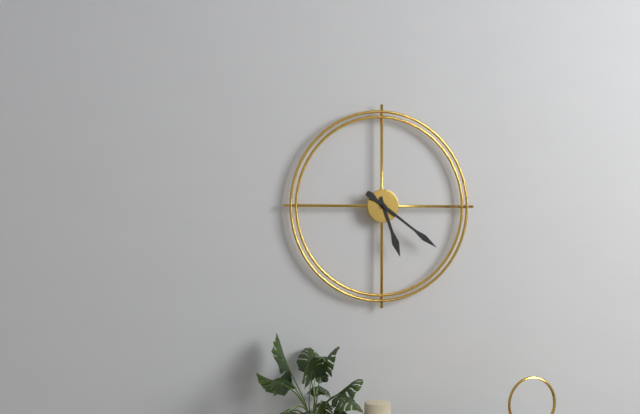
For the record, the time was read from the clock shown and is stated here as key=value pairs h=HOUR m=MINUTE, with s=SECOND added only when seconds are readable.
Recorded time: h=5 m=21
